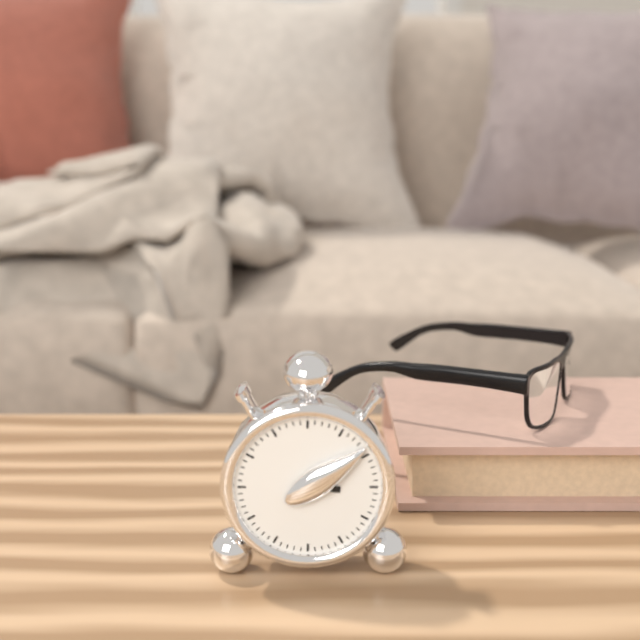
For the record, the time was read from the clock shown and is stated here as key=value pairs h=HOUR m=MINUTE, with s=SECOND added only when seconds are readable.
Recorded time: h=3 m=9
